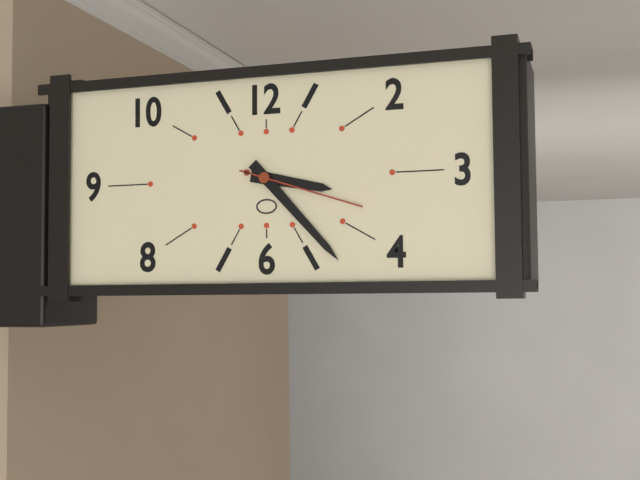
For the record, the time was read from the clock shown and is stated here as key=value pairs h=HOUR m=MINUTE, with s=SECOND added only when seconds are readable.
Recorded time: h=3 m=23 s=18
